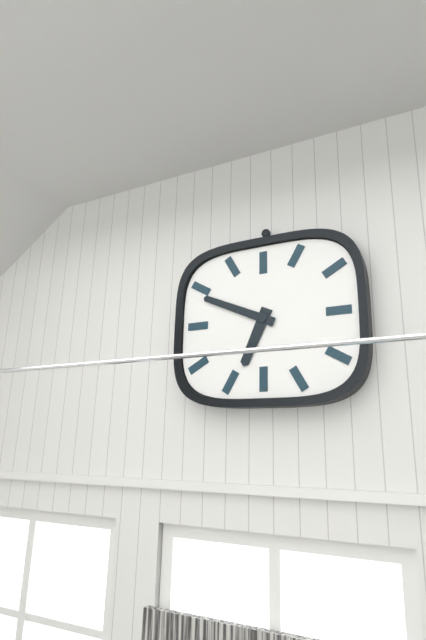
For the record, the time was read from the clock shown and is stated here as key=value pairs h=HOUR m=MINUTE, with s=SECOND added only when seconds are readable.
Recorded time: h=6 m=49
